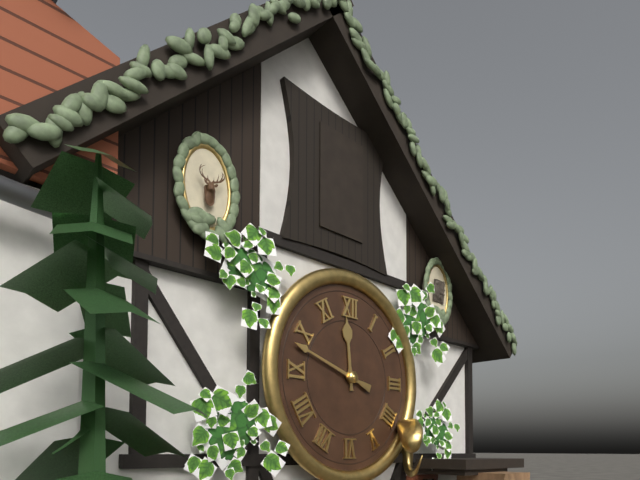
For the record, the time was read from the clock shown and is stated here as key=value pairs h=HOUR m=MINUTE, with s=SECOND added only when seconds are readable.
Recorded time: h=11 m=48
